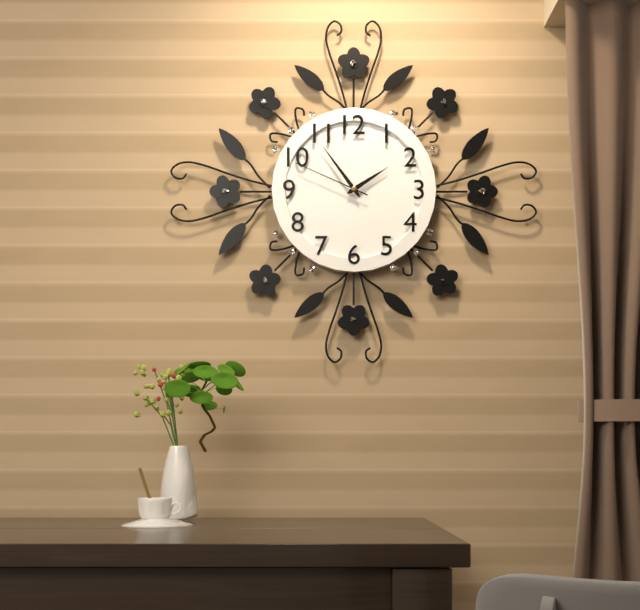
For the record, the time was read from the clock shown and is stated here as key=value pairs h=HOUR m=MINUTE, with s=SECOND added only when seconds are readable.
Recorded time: h=1 m=54 s=49
